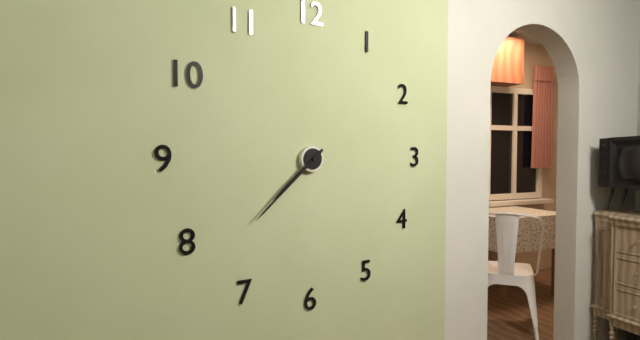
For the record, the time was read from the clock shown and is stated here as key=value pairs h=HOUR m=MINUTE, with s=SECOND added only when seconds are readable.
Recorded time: h=7 m=38
